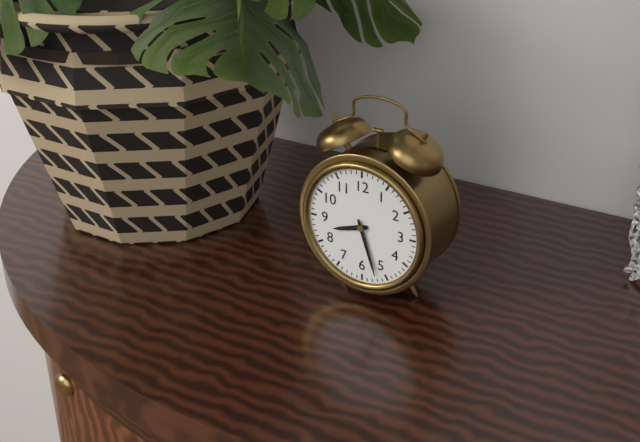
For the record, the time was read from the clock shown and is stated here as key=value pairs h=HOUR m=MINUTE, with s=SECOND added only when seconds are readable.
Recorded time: h=8 m=27
